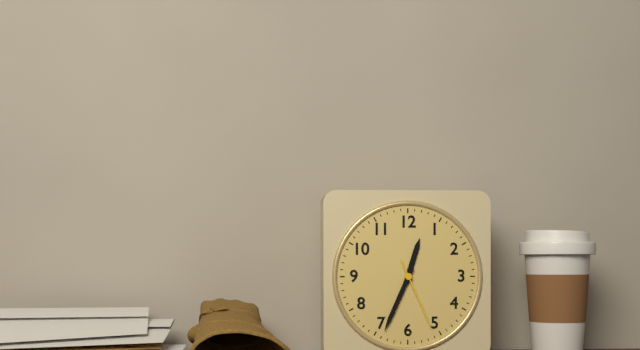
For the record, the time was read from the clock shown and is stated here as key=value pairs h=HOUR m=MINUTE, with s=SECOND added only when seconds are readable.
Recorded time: h=12 m=34 s=26
